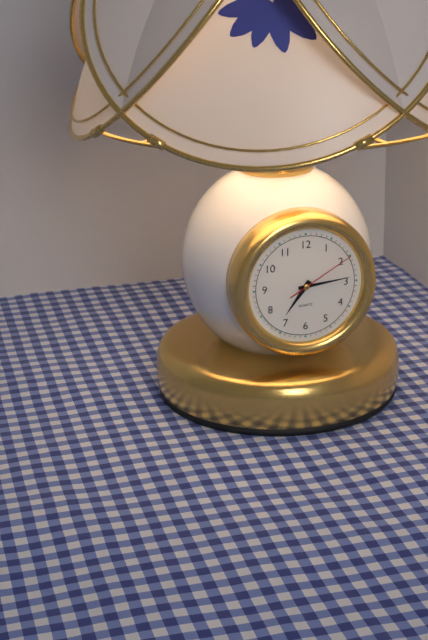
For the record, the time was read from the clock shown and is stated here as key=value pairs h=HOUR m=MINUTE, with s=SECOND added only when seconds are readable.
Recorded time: h=7 m=14 s=10
